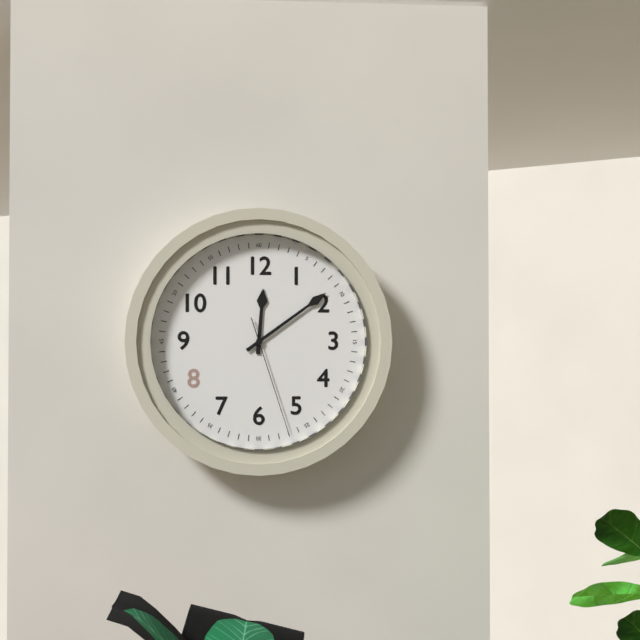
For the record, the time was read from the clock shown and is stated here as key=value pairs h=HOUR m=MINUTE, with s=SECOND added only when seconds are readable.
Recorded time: h=12 m=9 s=27
